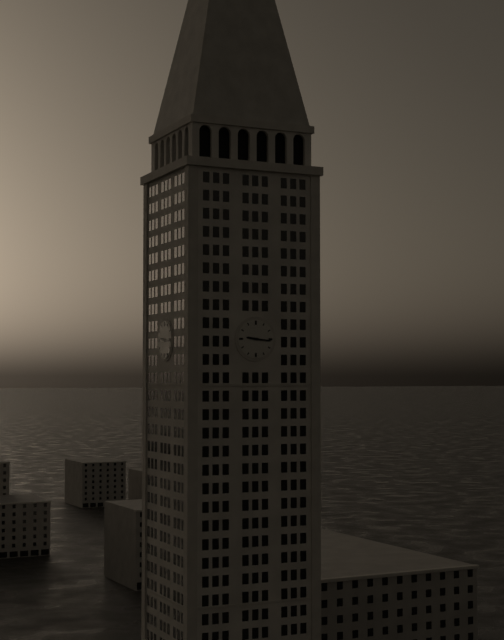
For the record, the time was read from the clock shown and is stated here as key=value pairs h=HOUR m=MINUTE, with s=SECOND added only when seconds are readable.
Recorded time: h=9 m=16
